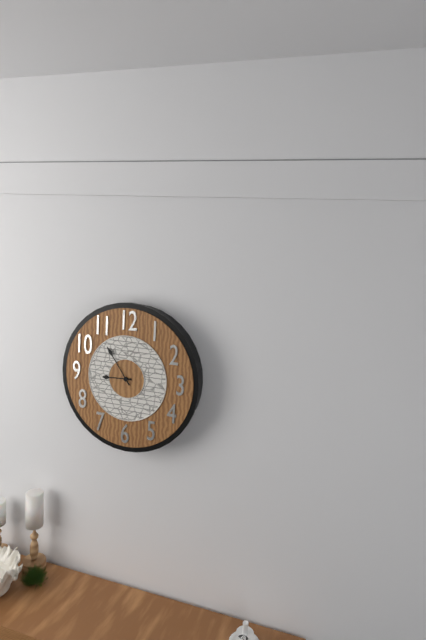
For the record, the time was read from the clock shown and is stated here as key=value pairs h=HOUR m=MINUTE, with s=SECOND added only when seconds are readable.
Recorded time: h=8 m=54
